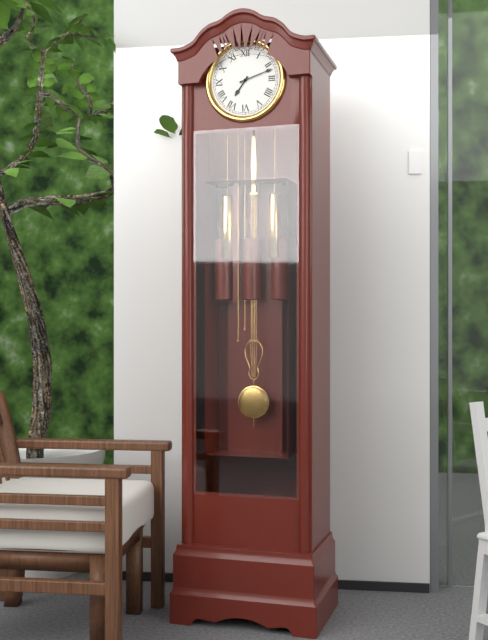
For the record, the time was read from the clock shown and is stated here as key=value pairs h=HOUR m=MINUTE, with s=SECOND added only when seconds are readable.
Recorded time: h=7 m=12
